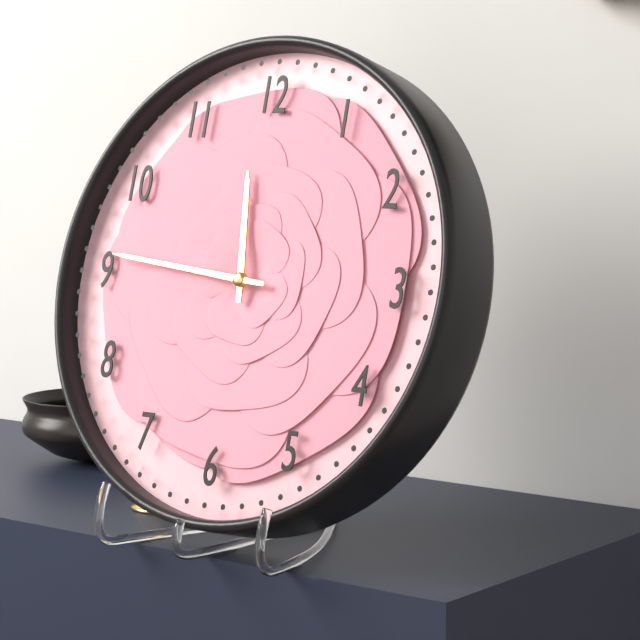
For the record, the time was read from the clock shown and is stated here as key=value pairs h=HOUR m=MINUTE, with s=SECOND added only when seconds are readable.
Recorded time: h=11 m=46
